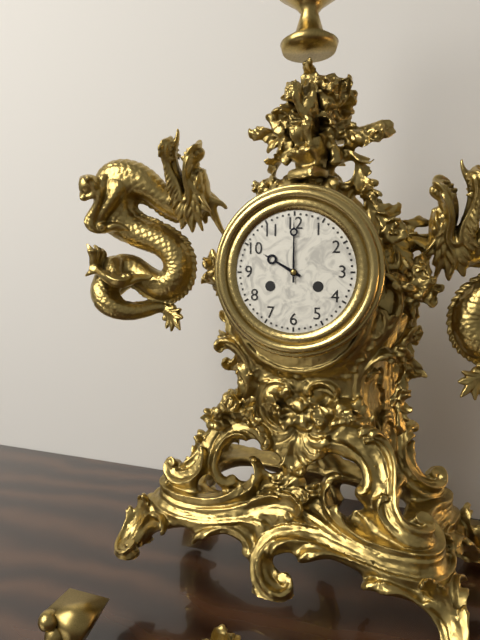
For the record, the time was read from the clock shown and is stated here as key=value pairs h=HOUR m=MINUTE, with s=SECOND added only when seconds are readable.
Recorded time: h=10 m=0
